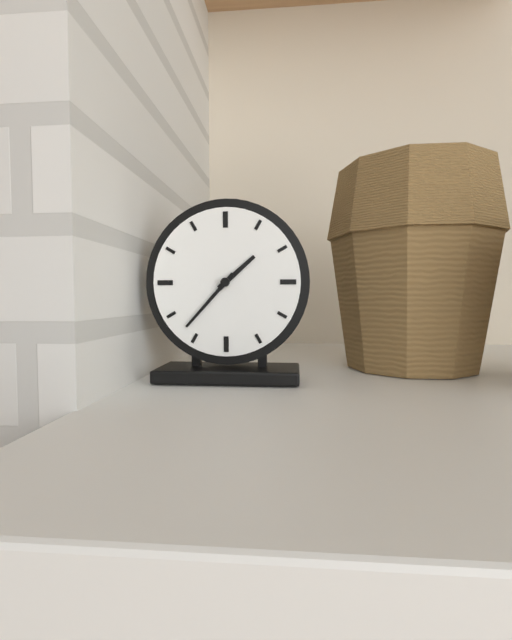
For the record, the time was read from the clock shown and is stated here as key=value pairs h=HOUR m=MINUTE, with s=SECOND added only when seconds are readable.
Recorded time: h=1 m=37
